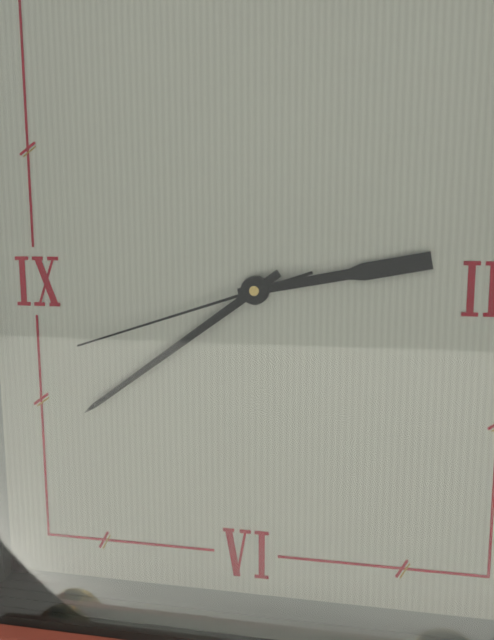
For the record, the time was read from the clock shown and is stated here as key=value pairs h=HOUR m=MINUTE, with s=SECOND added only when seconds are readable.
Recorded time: h=2 m=39 s=42
